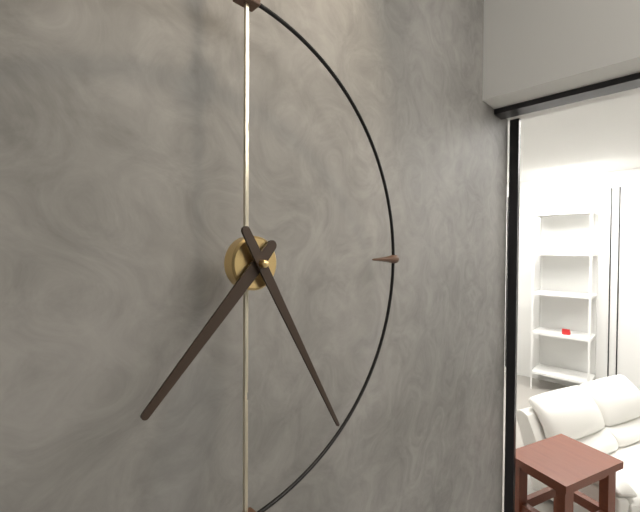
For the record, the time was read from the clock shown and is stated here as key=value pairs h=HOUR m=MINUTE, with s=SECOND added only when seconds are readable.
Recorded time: h=7 m=25
